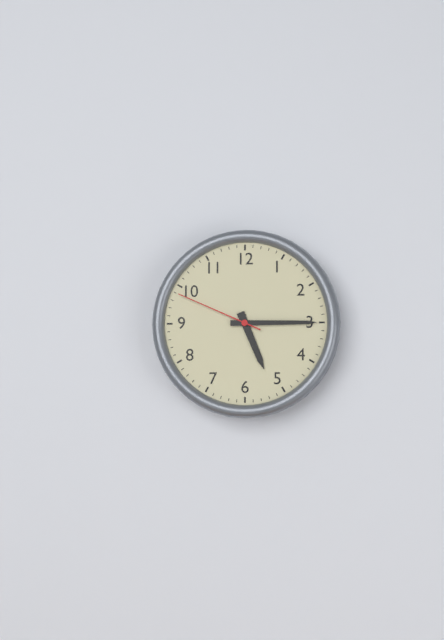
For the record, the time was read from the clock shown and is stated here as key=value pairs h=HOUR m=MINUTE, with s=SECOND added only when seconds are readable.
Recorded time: h=5 m=15 s=49
